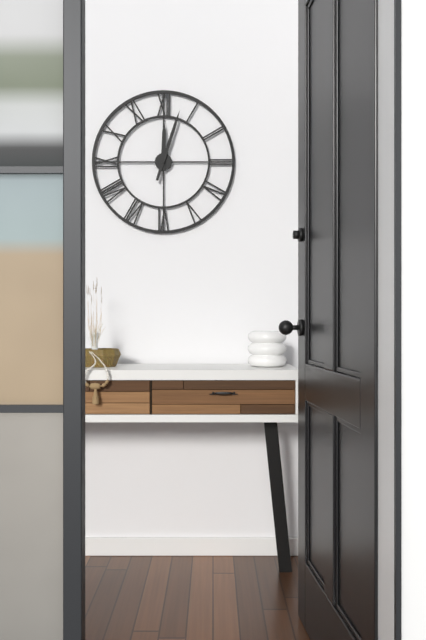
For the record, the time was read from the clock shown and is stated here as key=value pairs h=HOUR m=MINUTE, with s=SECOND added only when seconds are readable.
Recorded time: h=12 m=3
